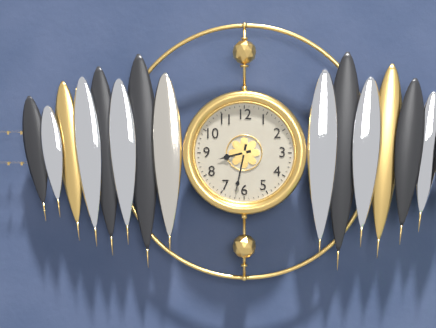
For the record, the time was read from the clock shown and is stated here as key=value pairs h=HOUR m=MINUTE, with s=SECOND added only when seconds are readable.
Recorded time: h=8 m=32
